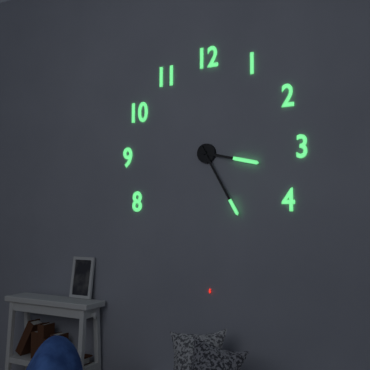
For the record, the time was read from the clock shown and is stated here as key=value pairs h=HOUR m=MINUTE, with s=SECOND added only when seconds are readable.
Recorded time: h=3 m=25
